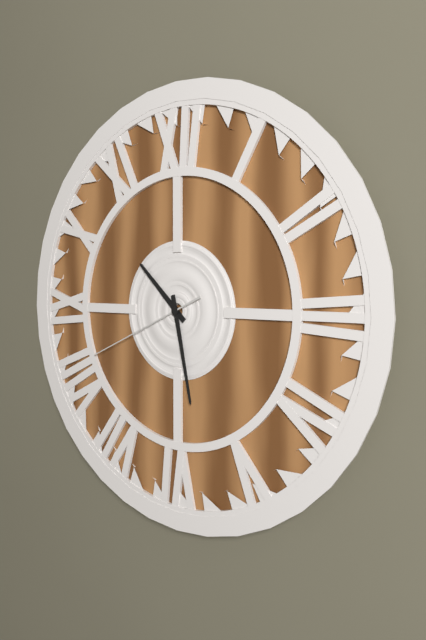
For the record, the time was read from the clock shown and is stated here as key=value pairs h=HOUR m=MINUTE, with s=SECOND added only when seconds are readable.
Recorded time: h=10 m=28 s=41
